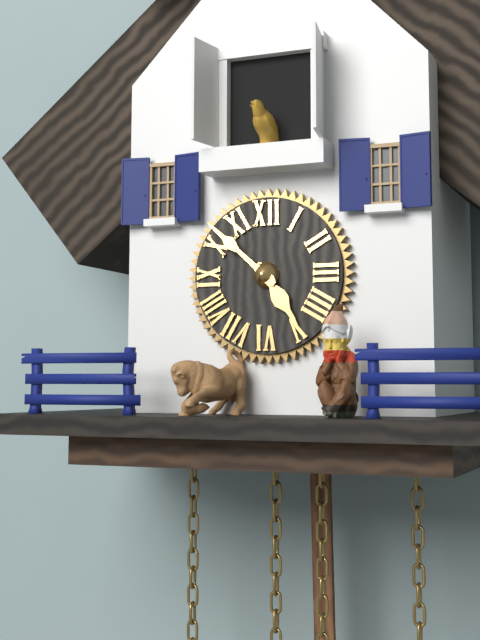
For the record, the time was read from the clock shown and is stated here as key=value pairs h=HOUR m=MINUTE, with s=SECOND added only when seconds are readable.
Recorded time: h=4 m=52
